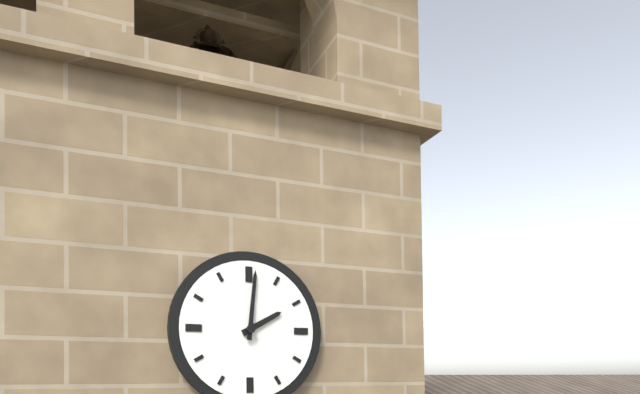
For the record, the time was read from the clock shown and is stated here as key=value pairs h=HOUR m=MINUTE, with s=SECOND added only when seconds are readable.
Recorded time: h=2 m=1
